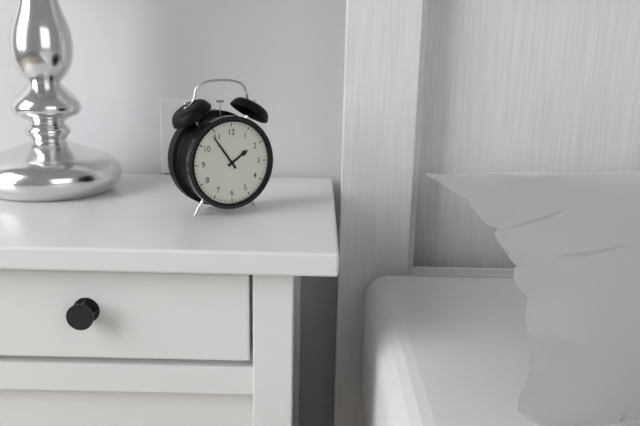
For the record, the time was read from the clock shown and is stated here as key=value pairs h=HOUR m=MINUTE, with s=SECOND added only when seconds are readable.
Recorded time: h=1 m=54
